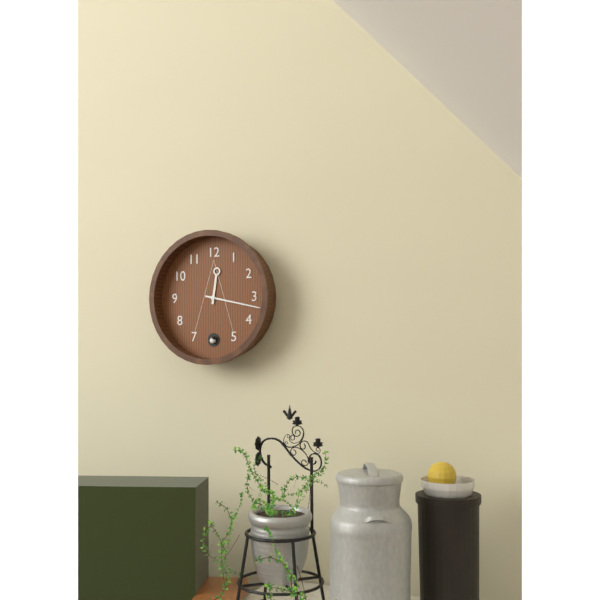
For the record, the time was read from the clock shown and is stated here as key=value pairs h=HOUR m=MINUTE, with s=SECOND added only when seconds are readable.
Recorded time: h=12 m=17
